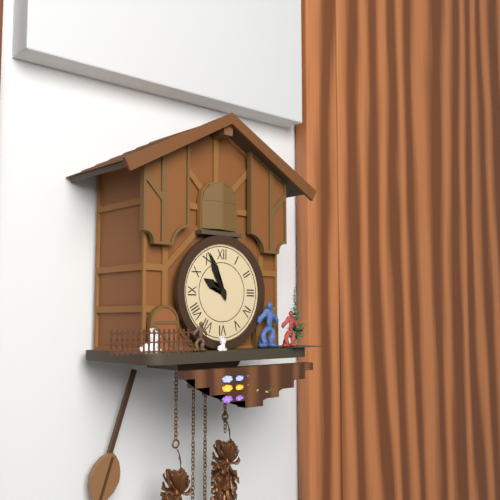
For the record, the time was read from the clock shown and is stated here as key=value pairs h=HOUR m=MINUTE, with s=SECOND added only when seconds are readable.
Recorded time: h=9 m=56
